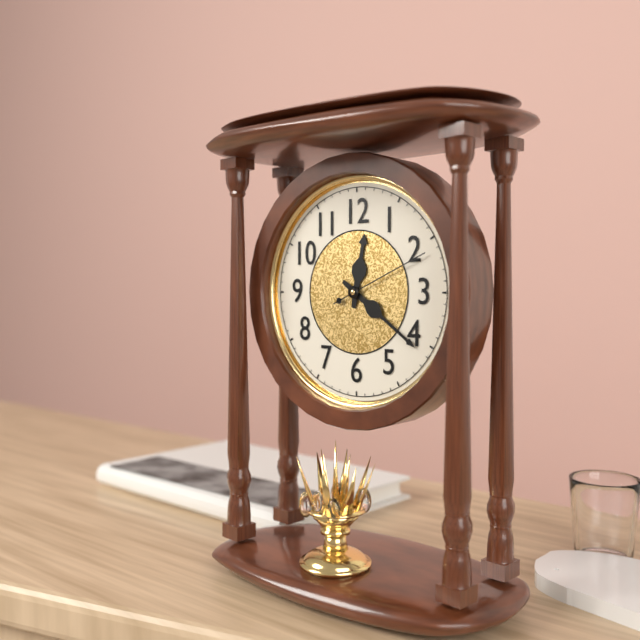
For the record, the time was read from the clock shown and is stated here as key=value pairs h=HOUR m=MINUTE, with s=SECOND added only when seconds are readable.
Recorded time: h=12 m=21 s=11
